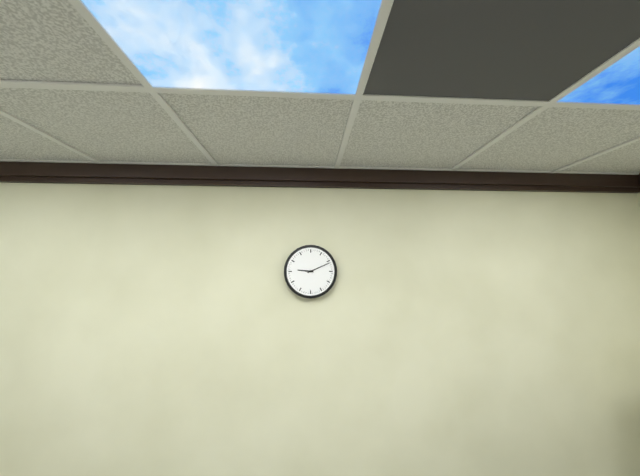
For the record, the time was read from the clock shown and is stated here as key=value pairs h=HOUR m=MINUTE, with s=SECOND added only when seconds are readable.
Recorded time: h=9 m=11
